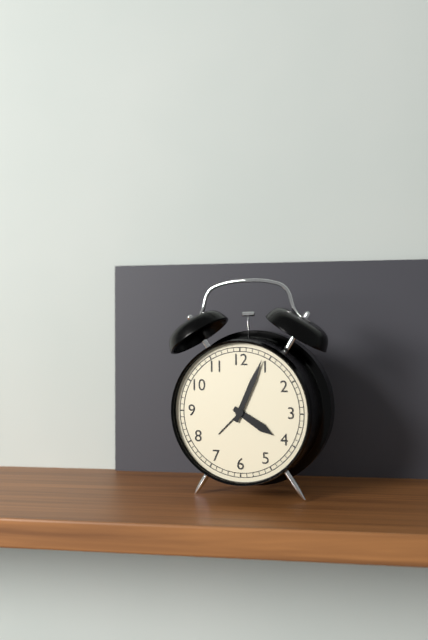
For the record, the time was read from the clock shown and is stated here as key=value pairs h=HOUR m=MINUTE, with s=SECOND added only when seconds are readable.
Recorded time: h=4 m=4
